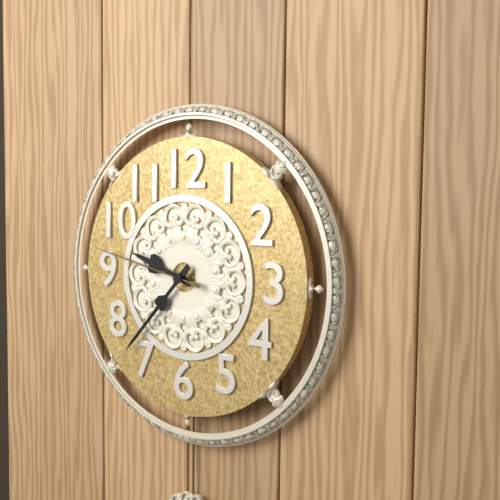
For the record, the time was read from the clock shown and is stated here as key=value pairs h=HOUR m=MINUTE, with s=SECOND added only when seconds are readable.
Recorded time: h=9 m=37 s=47
